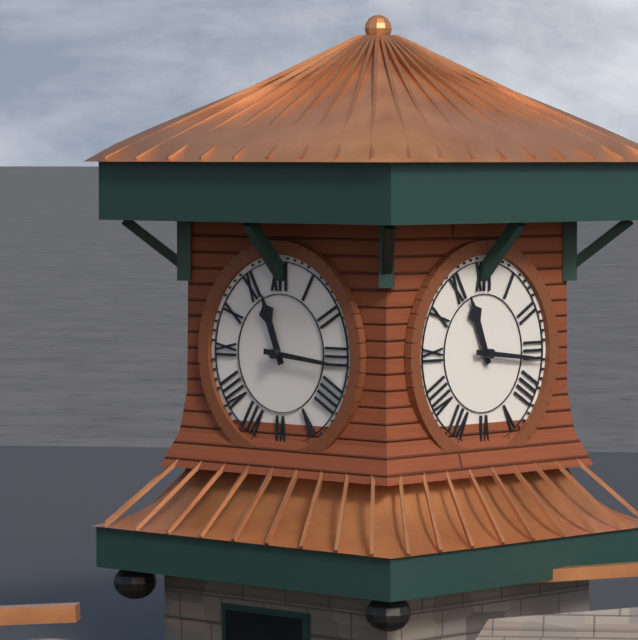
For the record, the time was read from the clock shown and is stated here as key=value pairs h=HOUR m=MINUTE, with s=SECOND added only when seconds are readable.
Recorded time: h=11 m=16
